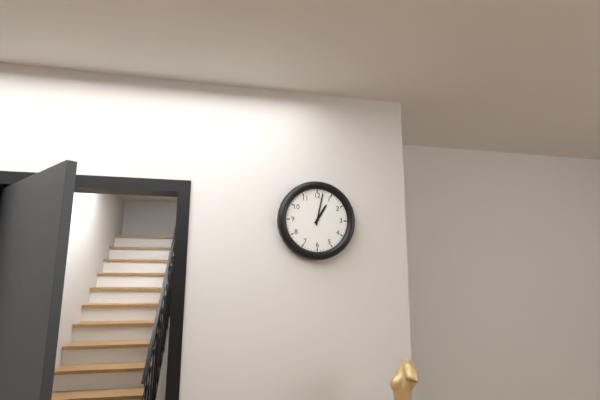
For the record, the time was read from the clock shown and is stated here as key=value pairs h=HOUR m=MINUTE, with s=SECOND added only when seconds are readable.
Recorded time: h=1 m=2
